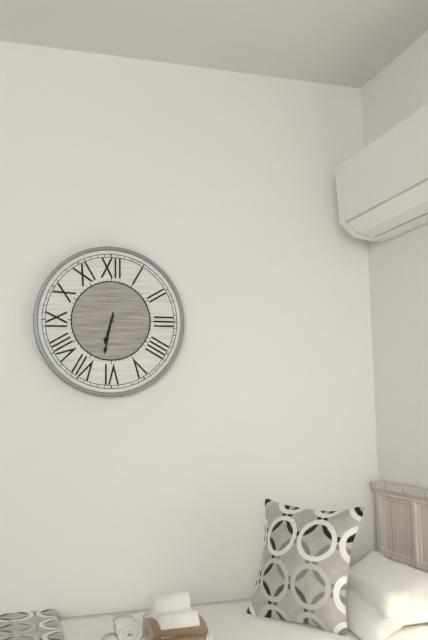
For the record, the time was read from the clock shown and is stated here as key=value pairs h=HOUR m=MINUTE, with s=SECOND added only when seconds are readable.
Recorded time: h=6 m=32
